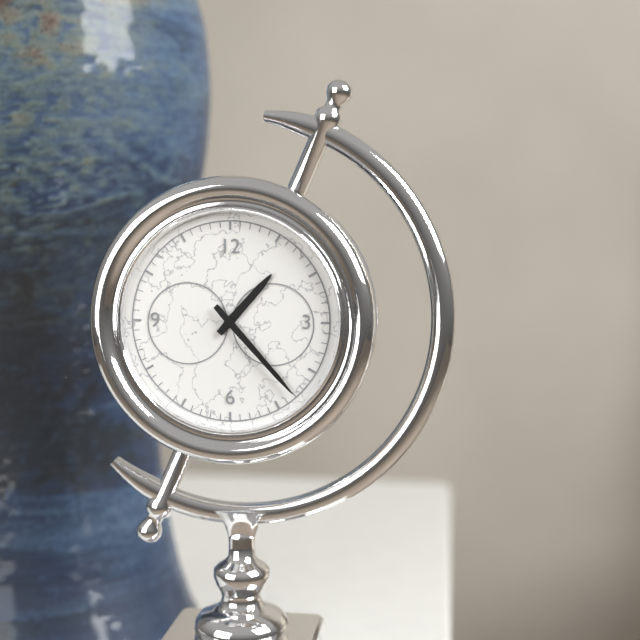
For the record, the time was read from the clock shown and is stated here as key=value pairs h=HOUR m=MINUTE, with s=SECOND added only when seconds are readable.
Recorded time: h=1 m=23
